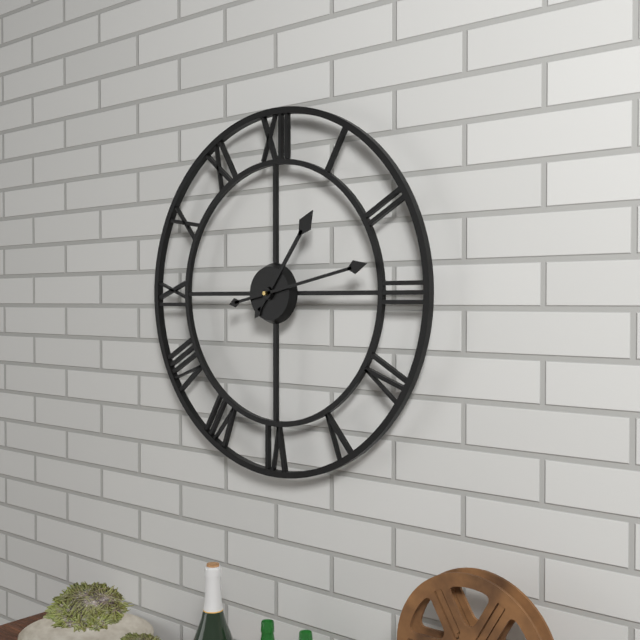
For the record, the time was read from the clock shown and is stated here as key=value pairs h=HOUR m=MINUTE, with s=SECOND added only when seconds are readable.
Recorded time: h=1 m=13
